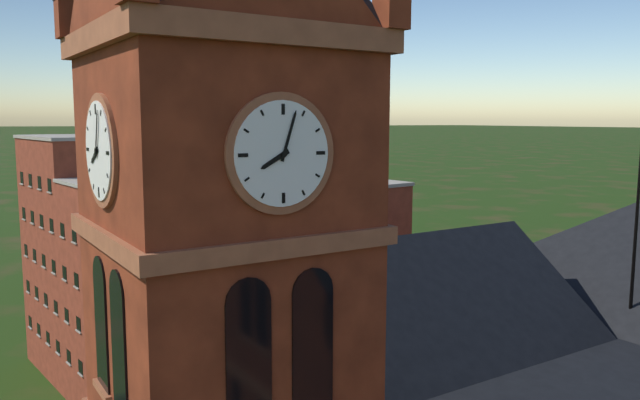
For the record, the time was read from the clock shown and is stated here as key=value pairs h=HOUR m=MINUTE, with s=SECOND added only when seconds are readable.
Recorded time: h=8 m=3
